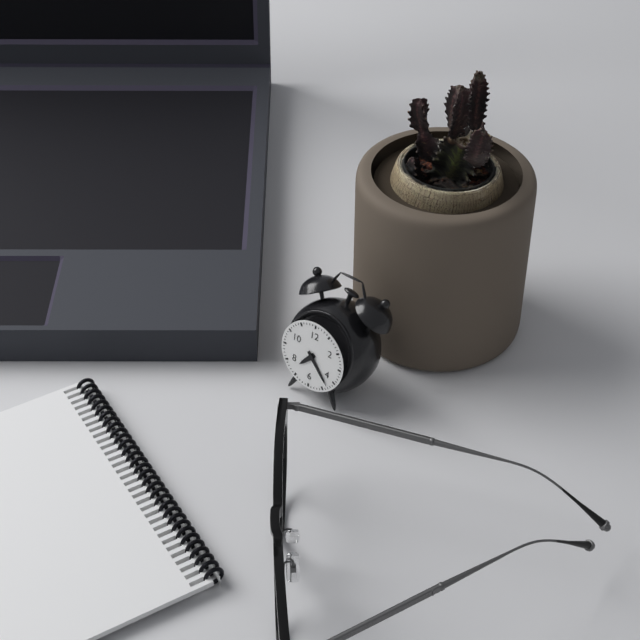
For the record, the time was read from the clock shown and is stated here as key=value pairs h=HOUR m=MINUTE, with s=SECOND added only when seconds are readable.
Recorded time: h=7 m=23
